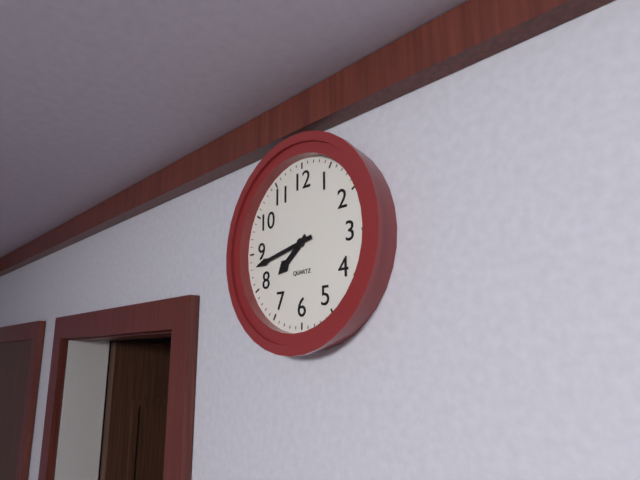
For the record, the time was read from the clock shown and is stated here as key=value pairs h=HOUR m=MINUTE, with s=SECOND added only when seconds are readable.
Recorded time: h=7 m=43
